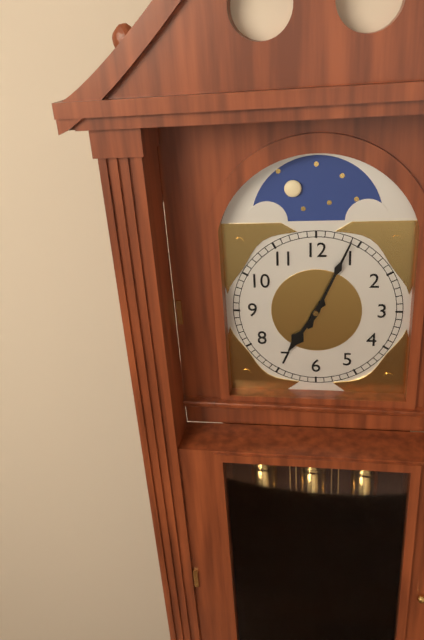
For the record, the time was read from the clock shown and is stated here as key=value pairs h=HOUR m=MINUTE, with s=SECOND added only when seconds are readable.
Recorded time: h=7 m=4
